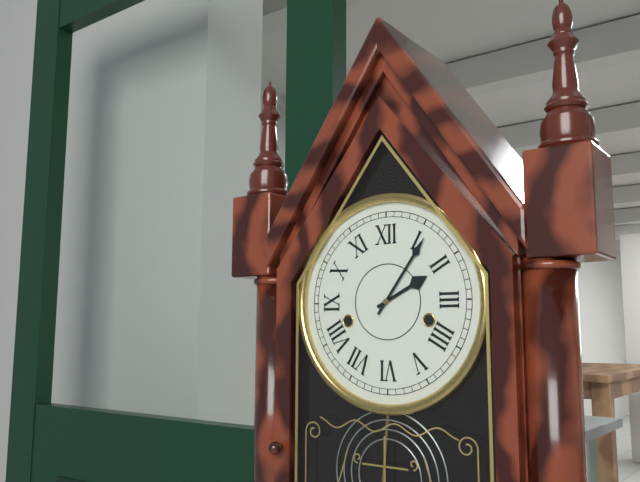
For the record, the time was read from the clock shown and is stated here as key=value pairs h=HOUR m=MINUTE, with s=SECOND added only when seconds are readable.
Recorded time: h=2 m=6
